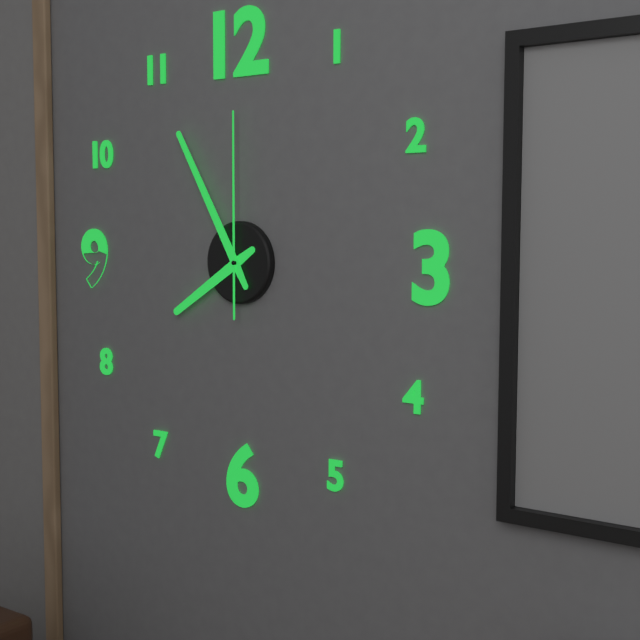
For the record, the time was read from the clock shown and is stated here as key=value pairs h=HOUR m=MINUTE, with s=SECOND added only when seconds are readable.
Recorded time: h=7 m=55 s=0
